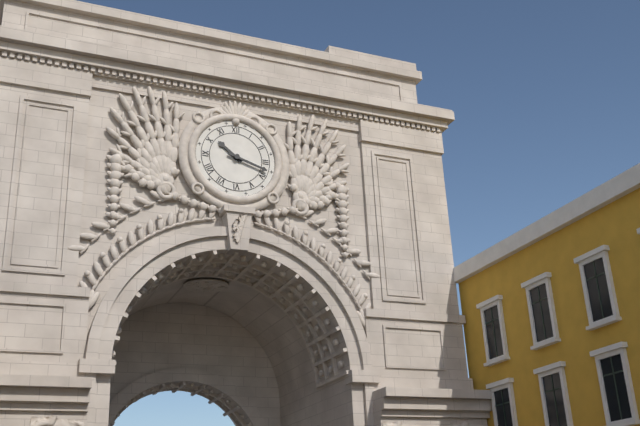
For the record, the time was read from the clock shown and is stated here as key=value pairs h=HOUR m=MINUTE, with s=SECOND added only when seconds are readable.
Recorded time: h=10 m=18
